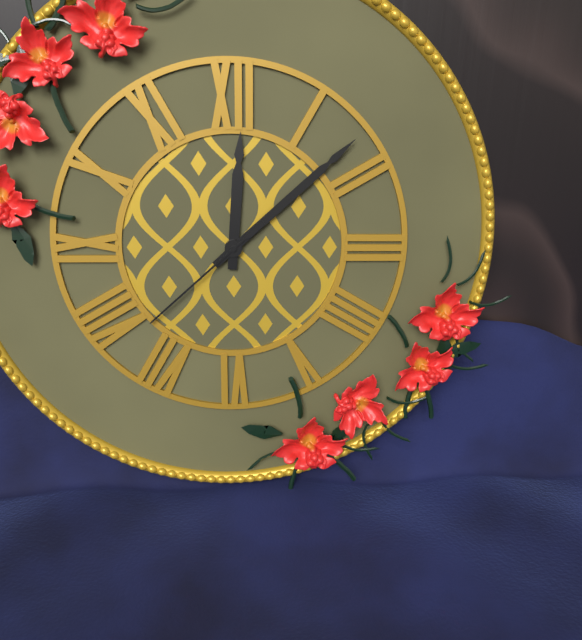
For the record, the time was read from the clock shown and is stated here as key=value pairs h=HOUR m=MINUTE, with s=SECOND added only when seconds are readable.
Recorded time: h=12 m=8 s=38
